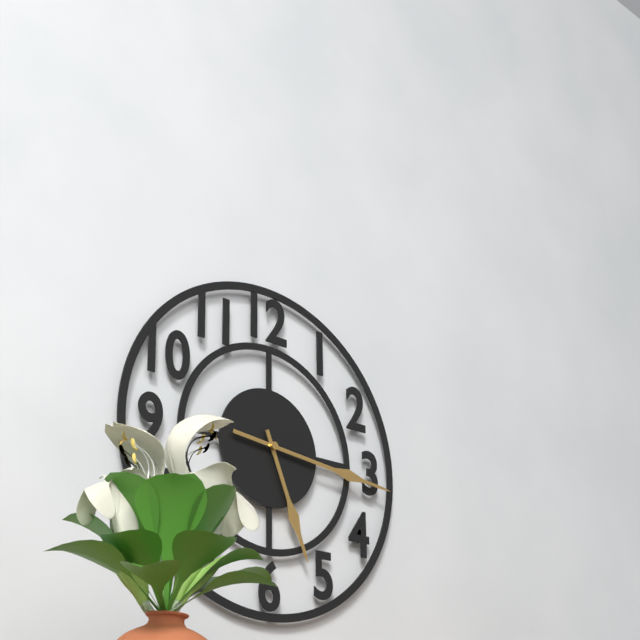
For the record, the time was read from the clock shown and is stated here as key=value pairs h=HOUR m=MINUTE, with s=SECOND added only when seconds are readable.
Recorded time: h=5 m=16
